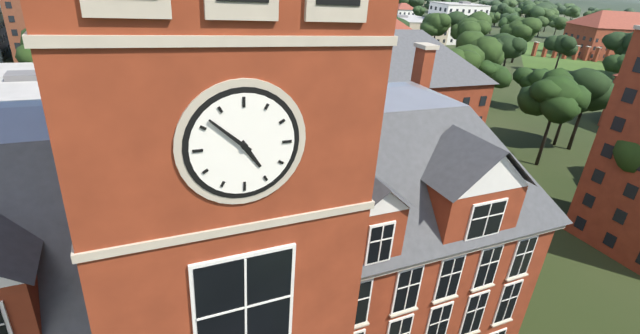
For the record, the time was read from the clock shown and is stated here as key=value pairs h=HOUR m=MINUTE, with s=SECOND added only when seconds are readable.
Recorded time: h=4 m=52
